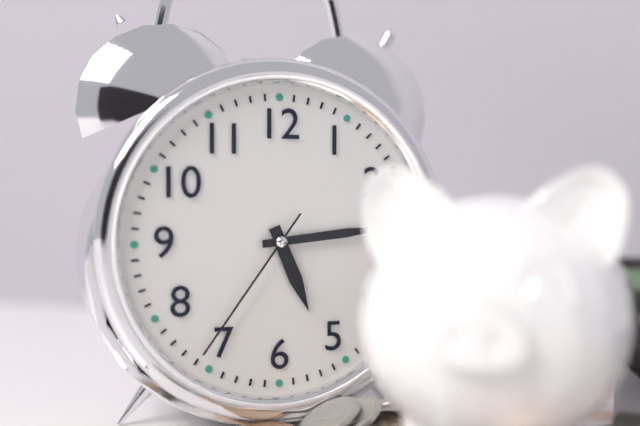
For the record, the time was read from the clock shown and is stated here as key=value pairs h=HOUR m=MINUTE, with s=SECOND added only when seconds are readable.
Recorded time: h=5 m=14 s=36
